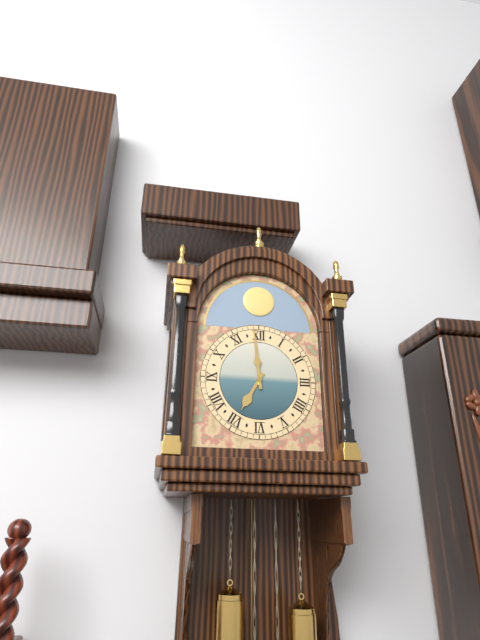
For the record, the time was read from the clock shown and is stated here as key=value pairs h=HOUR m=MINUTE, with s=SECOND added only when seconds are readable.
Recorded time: h=6 m=59
